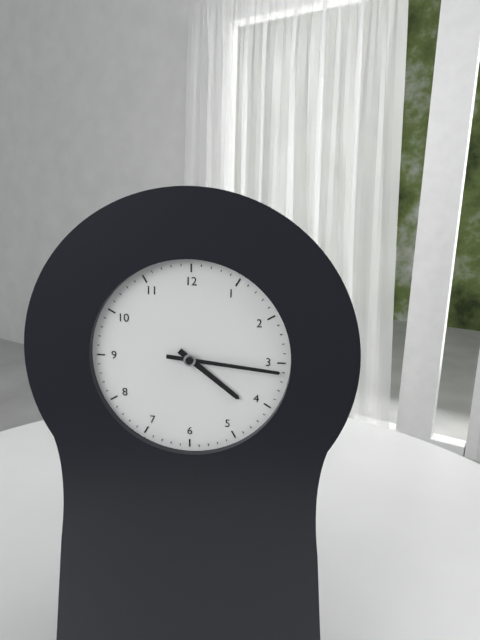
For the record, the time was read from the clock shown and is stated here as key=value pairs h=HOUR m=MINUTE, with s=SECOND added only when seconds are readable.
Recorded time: h=4 m=16
